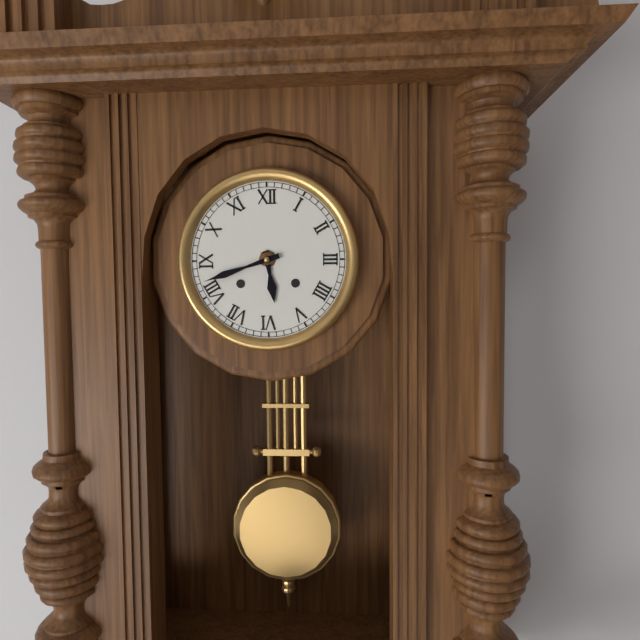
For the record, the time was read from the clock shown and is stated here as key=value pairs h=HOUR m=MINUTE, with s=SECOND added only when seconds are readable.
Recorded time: h=5 m=42
